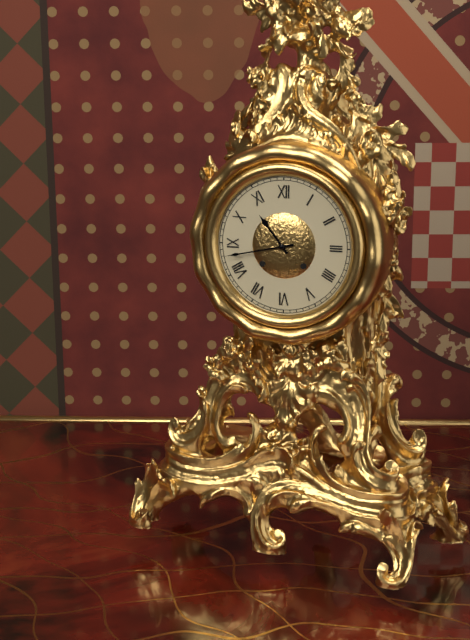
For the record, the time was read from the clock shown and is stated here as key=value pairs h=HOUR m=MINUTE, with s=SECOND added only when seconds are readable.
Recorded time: h=10 m=43
